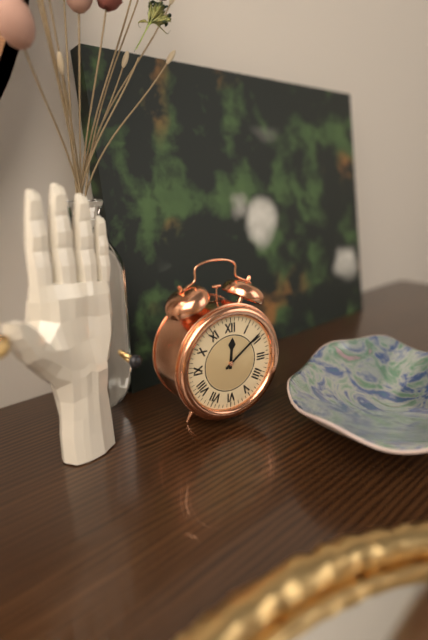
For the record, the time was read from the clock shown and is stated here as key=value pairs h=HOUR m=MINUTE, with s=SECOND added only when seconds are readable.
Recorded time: h=12 m=9
